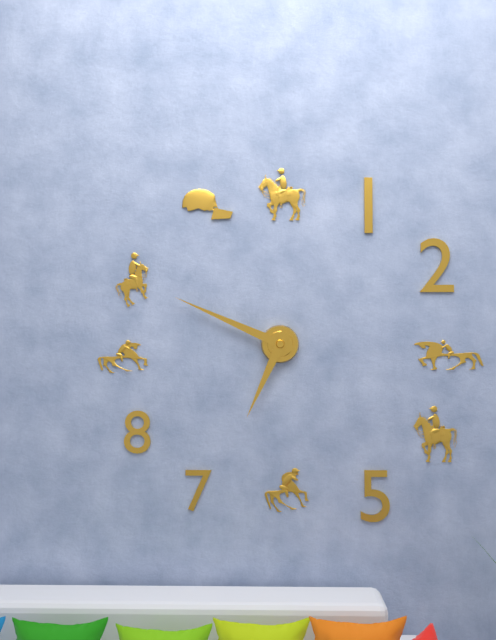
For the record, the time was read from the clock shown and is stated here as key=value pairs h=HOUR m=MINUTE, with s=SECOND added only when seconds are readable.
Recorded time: h=6 m=49
